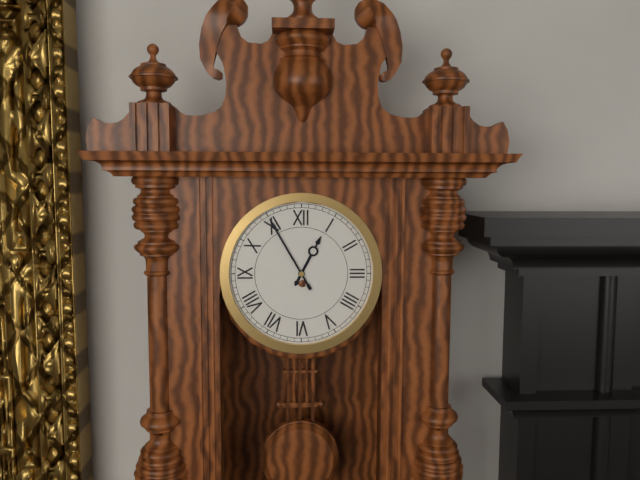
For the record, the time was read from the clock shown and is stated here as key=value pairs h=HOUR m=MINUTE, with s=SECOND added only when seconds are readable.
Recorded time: h=12 m=55
